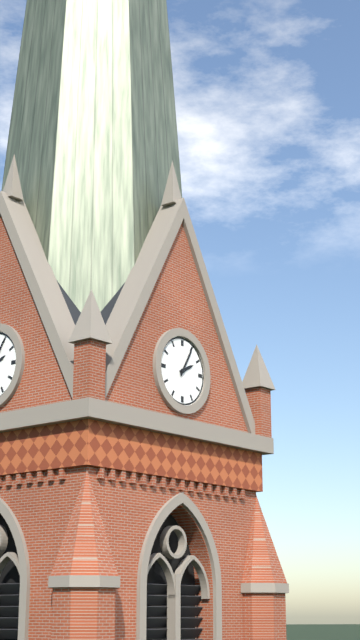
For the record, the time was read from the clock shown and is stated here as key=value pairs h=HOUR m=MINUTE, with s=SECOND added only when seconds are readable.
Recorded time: h=2 m=5
